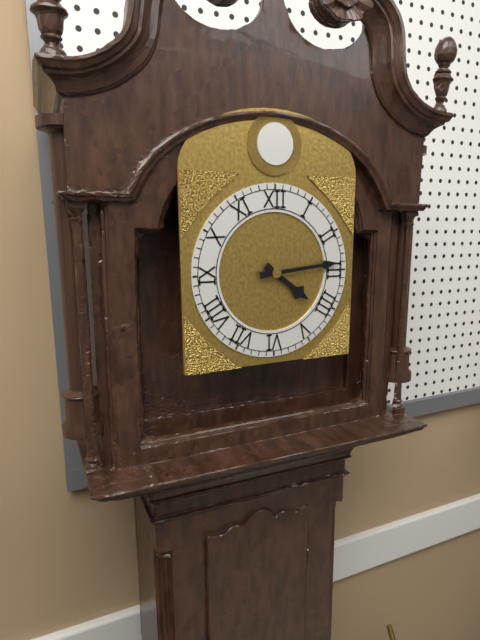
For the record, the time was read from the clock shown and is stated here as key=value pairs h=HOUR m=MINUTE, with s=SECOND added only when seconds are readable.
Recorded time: h=4 m=14
